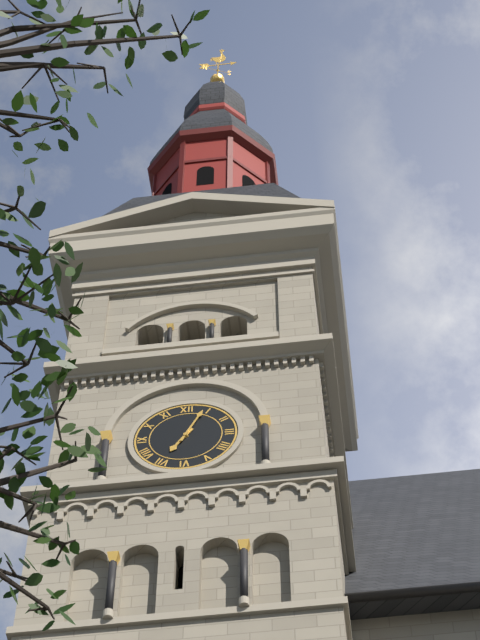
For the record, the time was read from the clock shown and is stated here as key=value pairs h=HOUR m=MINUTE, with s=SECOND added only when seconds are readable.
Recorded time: h=7 m=4
